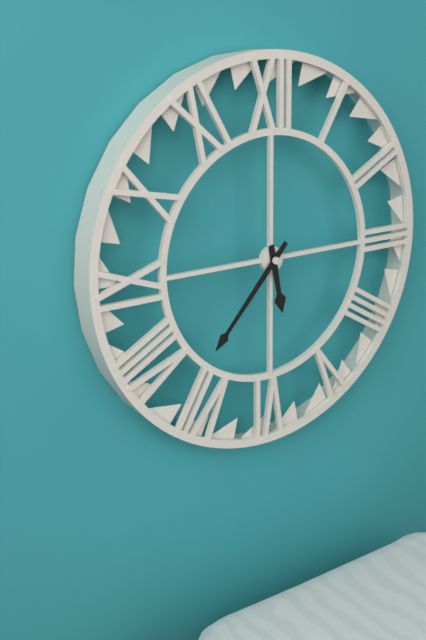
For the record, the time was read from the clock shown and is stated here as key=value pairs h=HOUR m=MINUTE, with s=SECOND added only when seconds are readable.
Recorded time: h=5 m=37
